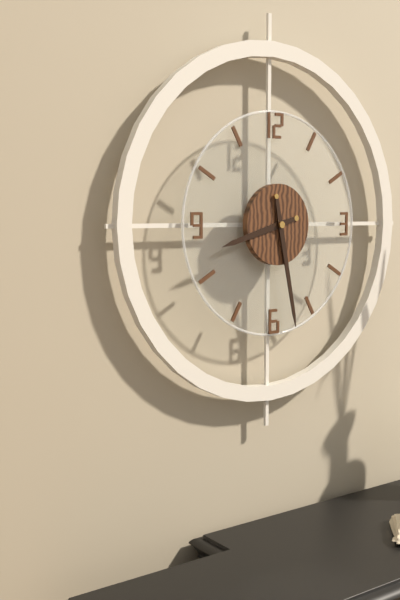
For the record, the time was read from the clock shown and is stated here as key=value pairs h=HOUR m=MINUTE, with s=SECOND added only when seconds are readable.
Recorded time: h=8 m=28
